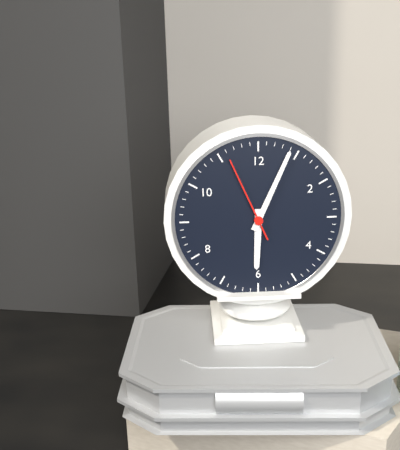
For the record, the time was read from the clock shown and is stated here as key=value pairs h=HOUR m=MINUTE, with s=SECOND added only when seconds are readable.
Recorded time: h=6 m=4 s=56
